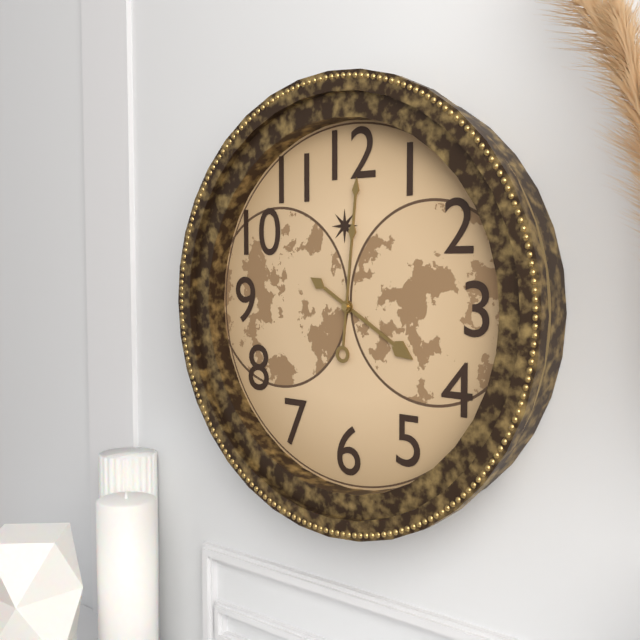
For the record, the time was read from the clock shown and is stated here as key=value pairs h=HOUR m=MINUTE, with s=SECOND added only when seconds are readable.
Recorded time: h=4 m=1
